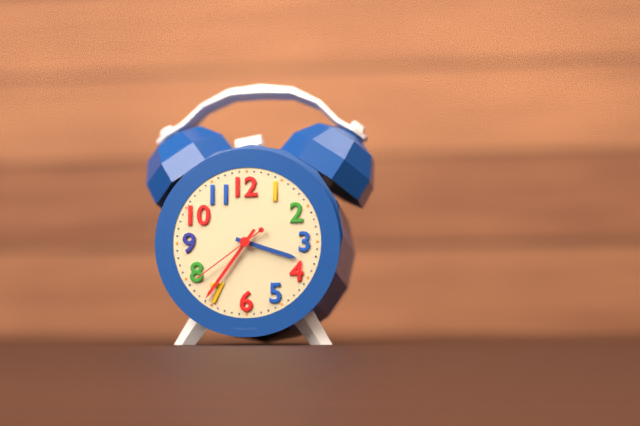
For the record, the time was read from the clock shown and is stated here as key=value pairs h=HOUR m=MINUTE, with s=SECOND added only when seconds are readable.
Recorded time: h=3 m=36 s=39
